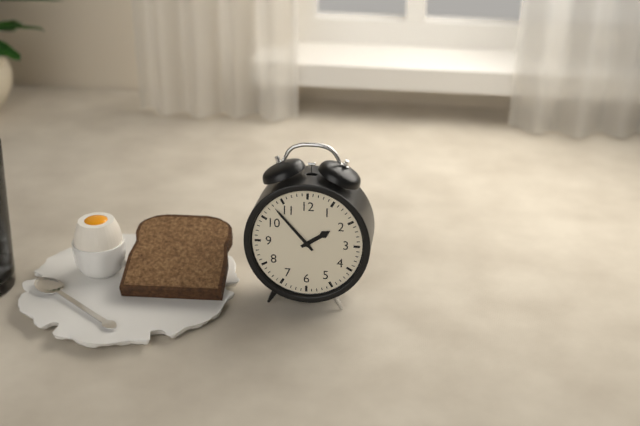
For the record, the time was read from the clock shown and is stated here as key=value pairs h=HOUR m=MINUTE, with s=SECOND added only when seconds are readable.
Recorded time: h=1 m=53
